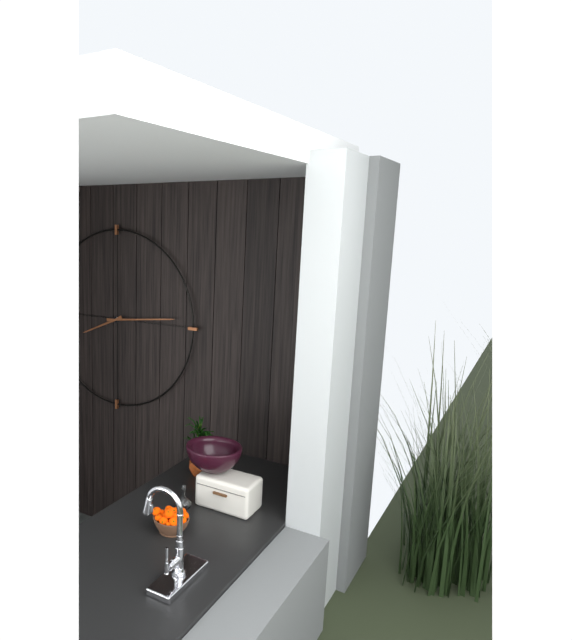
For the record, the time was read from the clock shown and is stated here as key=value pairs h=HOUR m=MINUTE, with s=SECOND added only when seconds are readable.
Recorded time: h=8 m=14
